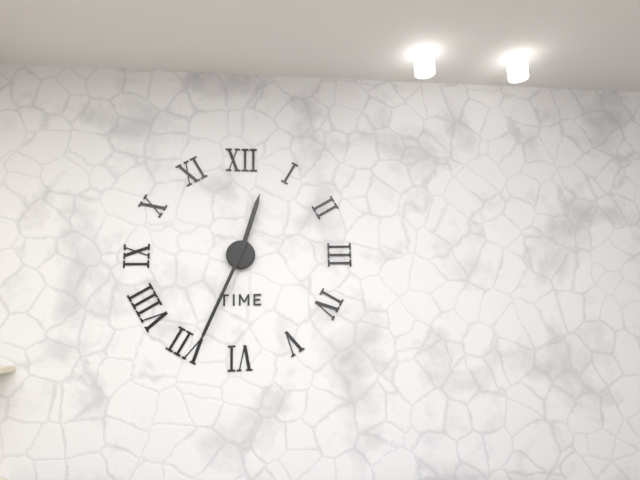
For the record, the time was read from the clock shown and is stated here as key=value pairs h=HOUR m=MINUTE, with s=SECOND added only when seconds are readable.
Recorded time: h=12 m=34
